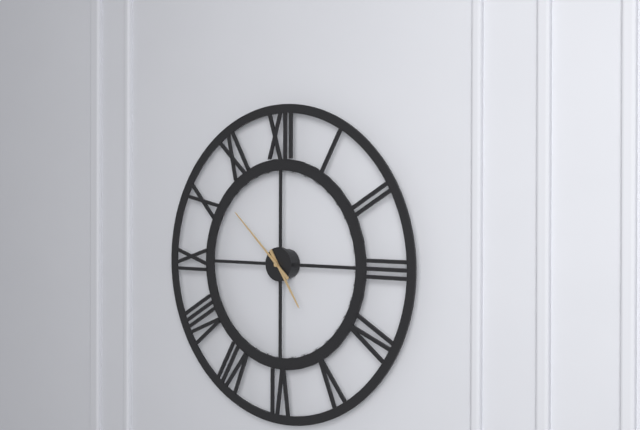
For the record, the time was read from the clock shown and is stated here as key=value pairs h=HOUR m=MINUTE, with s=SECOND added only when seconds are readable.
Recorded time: h=4 m=52
